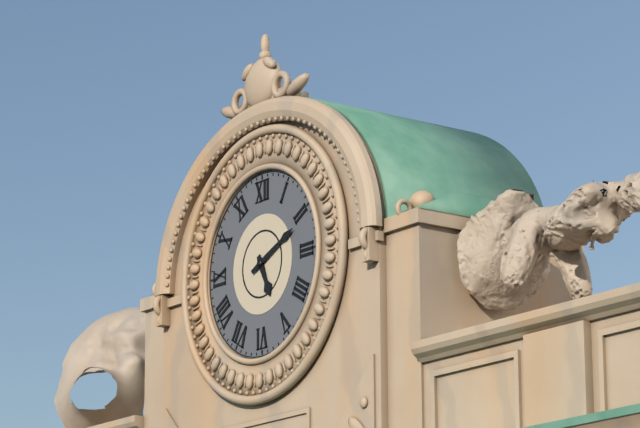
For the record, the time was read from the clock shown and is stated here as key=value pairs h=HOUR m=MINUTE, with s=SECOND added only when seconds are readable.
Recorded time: h=5 m=11
